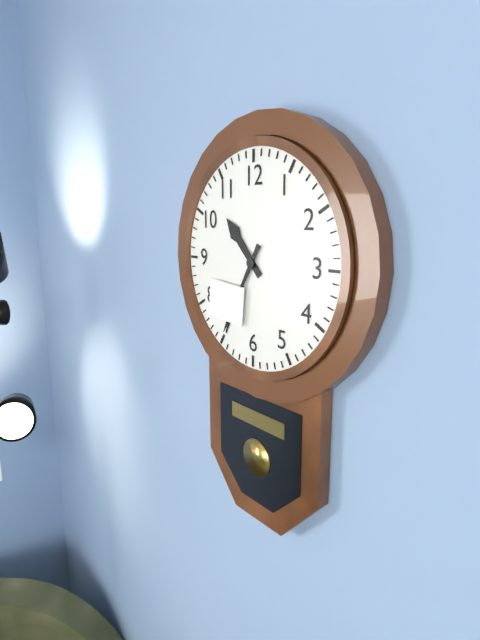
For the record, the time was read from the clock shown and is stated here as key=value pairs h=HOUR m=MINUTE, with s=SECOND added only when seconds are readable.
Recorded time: h=10 m=35
